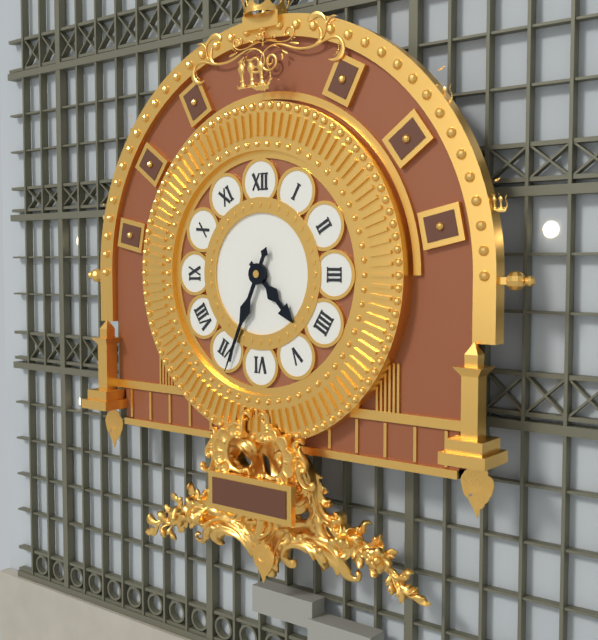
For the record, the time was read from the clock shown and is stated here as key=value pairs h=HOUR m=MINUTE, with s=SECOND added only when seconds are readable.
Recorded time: h=4 m=34
